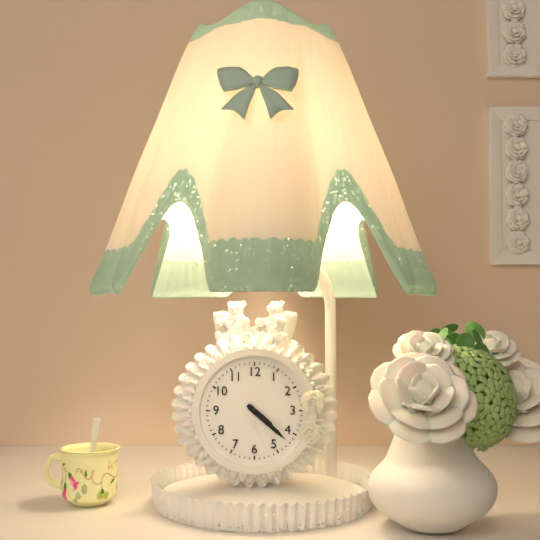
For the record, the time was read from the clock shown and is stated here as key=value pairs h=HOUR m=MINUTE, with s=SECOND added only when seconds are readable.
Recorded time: h=4 m=22
